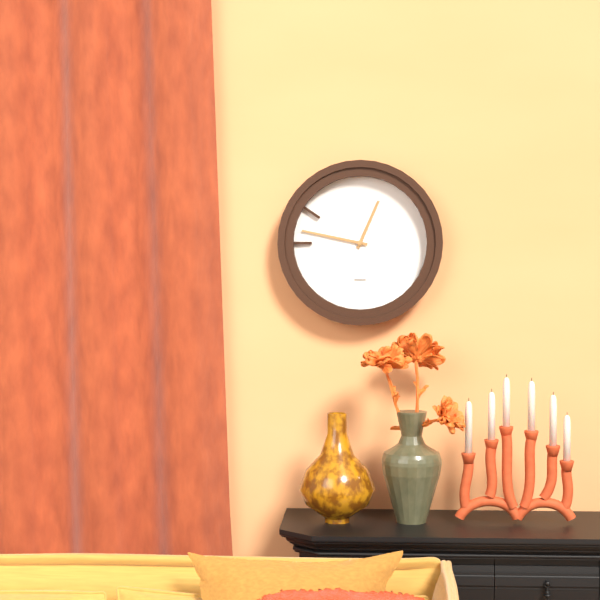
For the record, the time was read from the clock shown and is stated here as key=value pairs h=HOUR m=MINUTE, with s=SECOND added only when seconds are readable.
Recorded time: h=12 m=47
